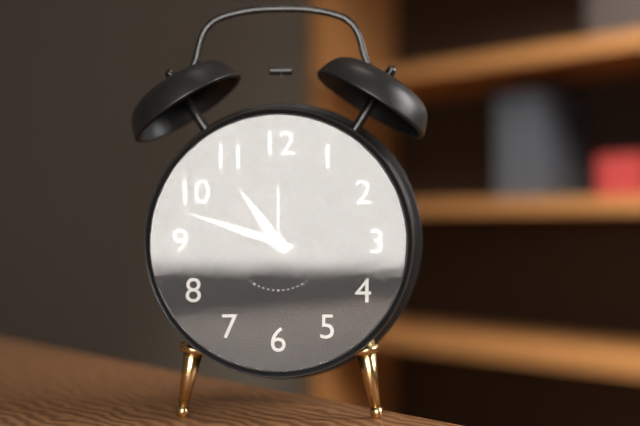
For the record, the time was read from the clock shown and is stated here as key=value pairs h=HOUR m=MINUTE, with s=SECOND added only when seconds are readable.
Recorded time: h=10 m=48
